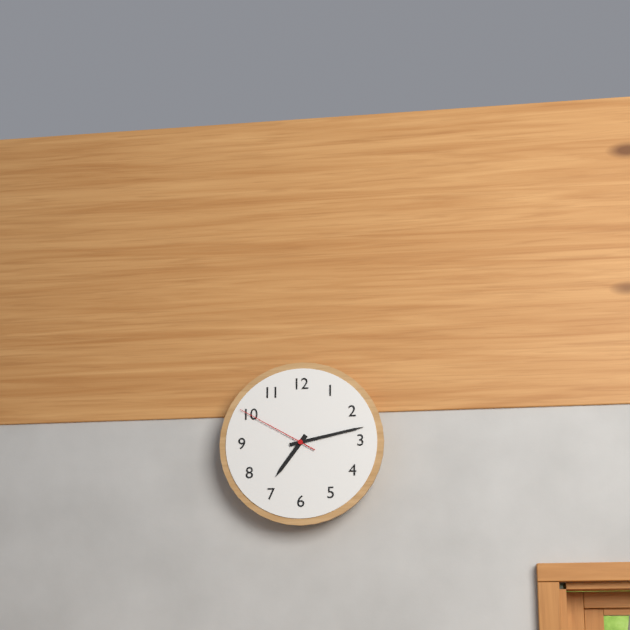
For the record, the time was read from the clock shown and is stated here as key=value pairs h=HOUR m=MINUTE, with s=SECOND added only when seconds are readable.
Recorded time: h=7 m=13 s=50
